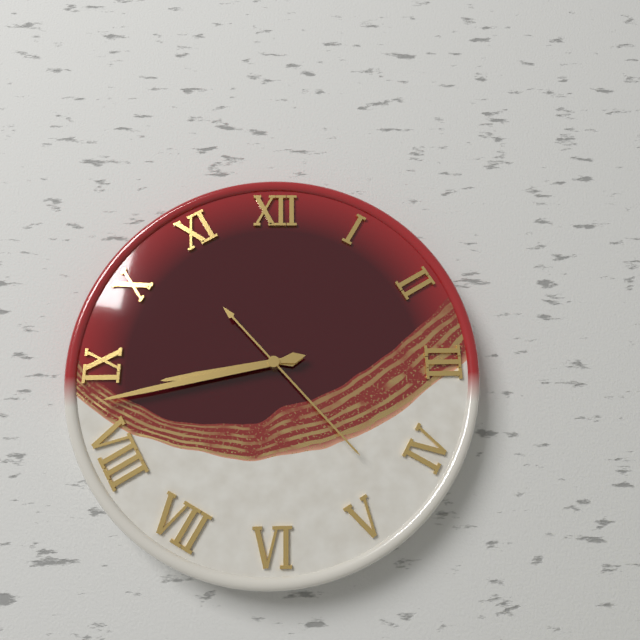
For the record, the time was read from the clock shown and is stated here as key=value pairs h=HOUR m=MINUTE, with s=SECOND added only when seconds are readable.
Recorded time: h=8 m=43 s=23
